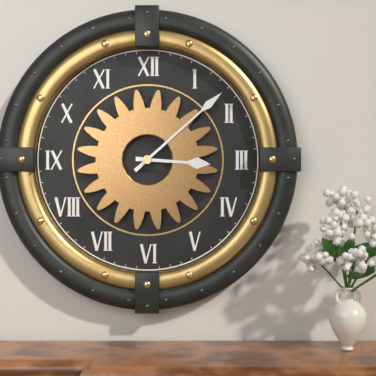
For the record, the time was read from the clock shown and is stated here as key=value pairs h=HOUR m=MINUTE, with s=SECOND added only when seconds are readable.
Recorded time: h=3 m=8
